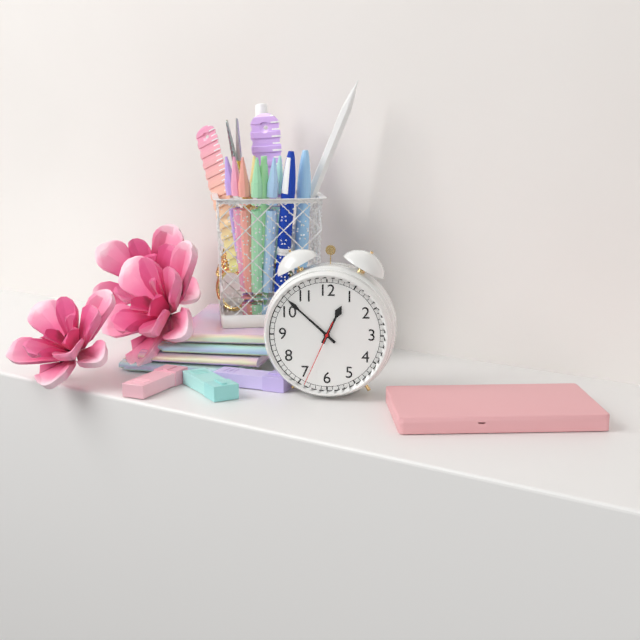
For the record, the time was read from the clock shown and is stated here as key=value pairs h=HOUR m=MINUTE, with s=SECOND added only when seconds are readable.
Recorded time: h=12 m=52 s=34
